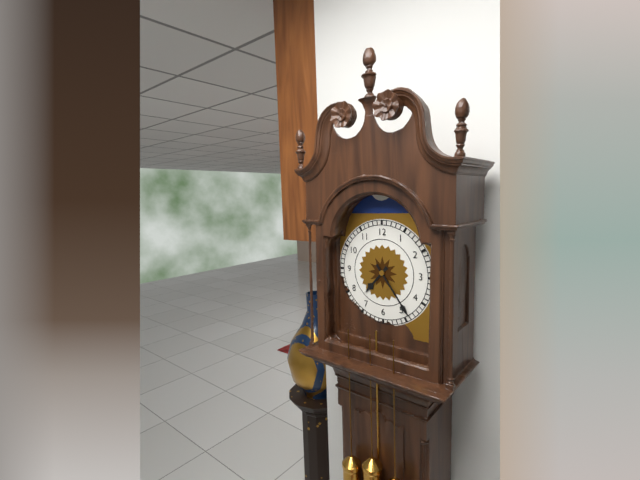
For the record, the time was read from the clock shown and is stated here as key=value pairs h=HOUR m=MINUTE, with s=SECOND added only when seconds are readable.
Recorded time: h=7 m=24
